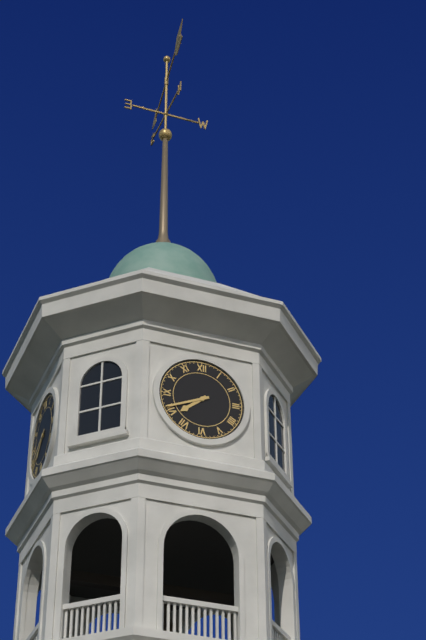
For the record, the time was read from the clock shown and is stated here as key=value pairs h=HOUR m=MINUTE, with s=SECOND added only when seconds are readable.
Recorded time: h=7 m=41
